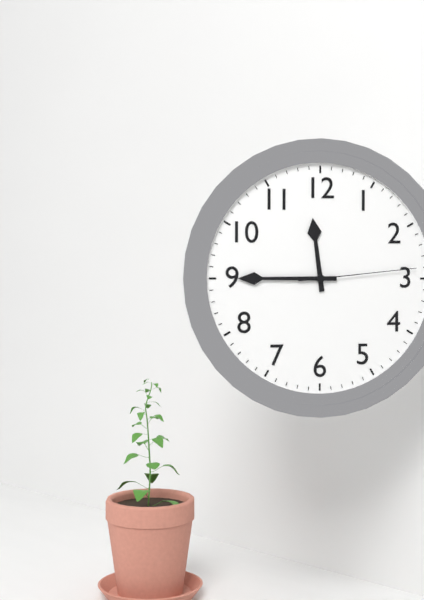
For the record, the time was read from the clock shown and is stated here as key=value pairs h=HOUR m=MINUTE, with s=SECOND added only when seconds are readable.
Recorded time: h=11 m=45 s=14
